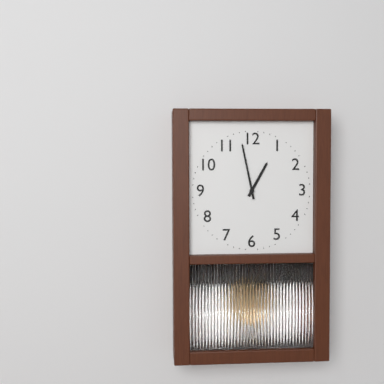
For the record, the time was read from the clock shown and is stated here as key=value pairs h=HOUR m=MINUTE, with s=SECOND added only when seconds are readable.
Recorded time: h=12 m=58
